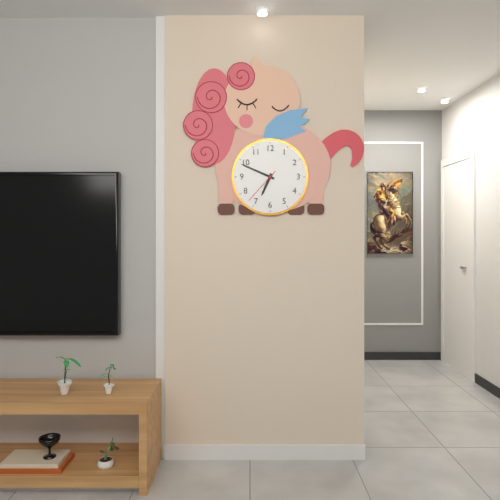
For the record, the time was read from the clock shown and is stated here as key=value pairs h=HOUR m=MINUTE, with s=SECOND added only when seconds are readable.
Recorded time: h=6 m=49
